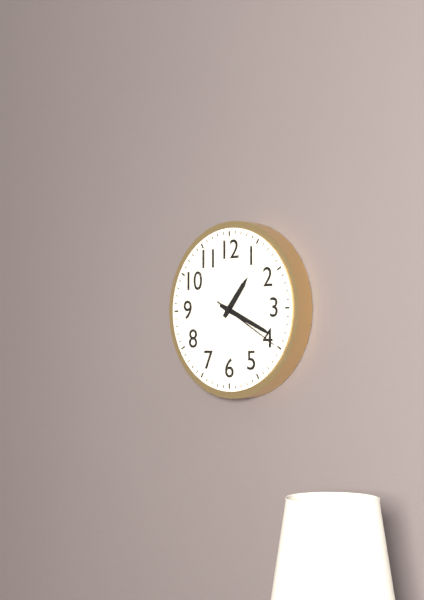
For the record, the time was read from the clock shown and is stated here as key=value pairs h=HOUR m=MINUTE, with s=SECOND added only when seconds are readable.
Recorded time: h=1 m=19 s=20
